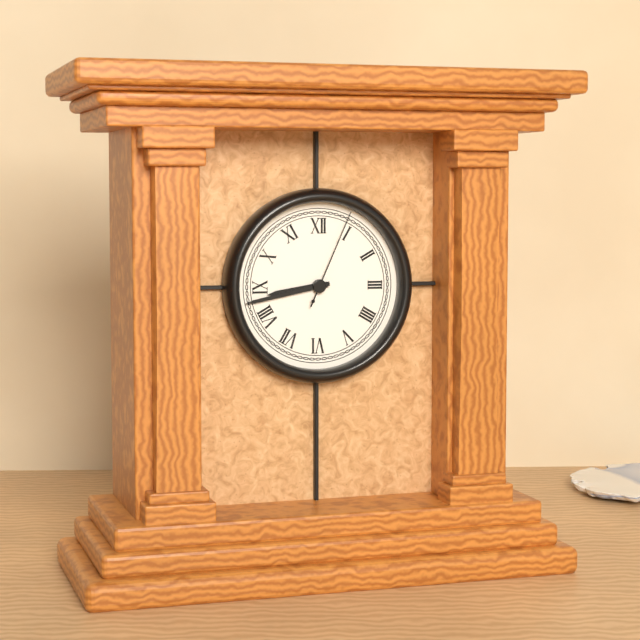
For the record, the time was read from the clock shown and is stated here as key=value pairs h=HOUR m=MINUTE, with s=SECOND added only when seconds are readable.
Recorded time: h=8 m=43 s=4
